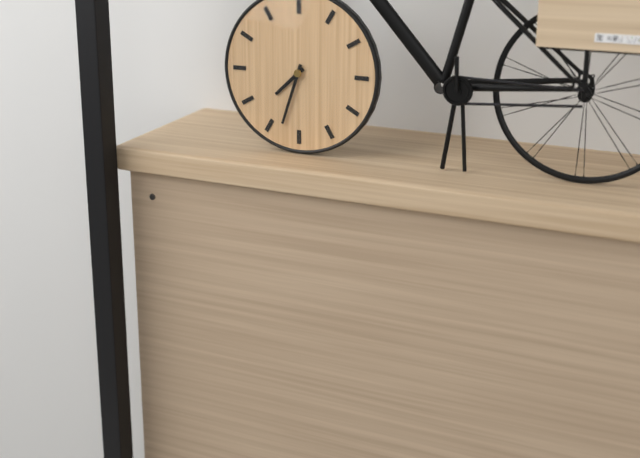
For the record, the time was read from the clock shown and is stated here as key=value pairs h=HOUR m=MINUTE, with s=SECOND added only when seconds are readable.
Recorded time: h=7 m=33
